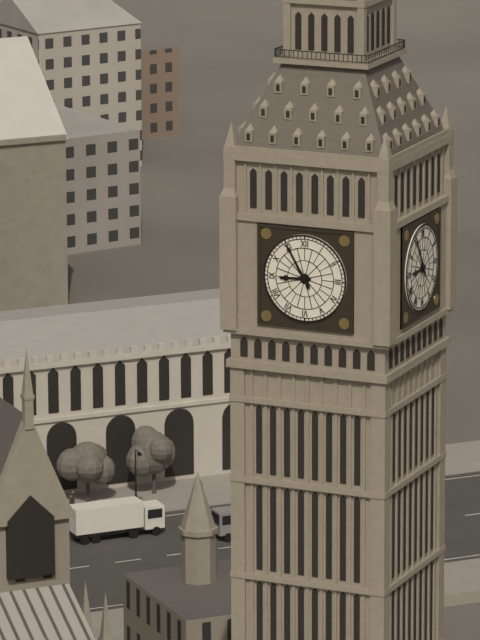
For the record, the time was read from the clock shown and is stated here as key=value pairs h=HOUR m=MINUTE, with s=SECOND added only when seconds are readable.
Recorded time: h=8 m=55
